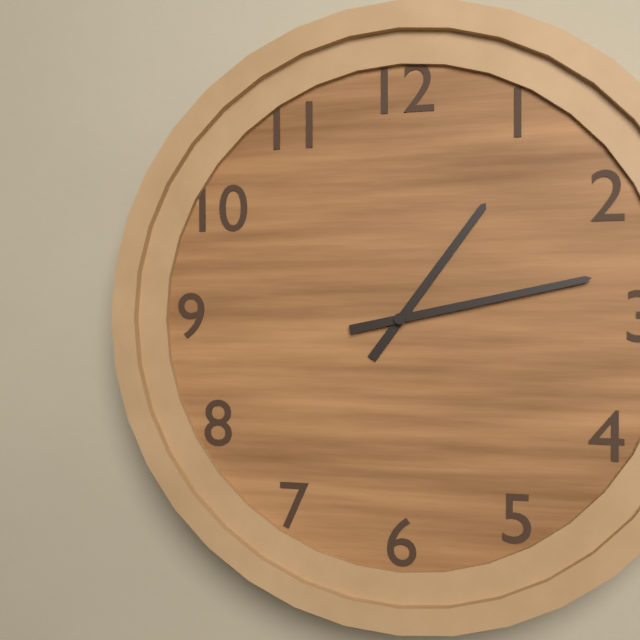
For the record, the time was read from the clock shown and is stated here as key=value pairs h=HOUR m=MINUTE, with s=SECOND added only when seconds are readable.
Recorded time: h=1 m=13
